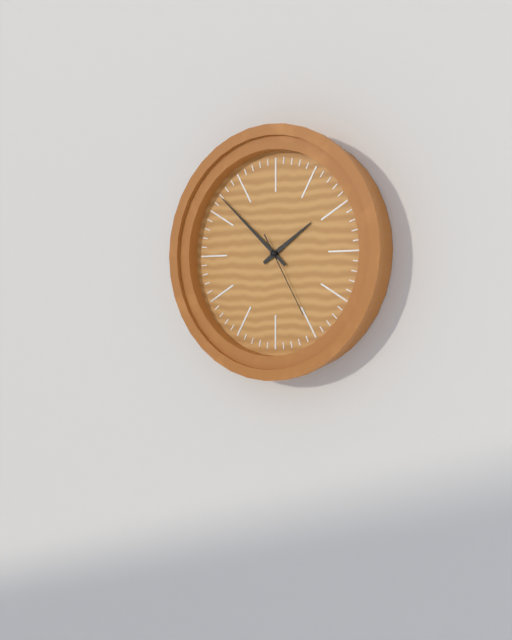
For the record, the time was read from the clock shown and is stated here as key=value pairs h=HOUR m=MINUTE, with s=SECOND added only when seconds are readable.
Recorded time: h=1 m=52 s=25
